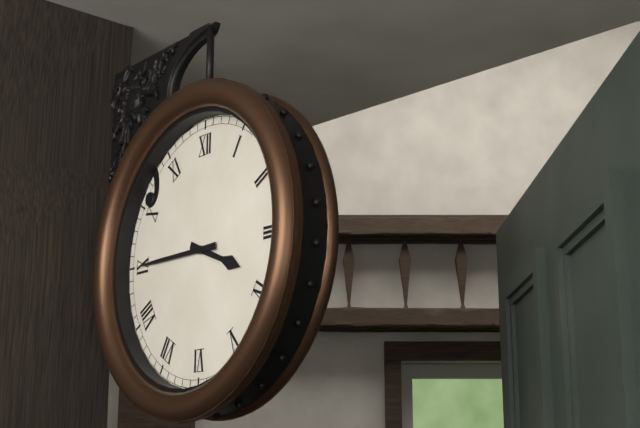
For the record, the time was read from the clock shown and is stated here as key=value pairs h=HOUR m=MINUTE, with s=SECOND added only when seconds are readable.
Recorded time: h=3 m=45
